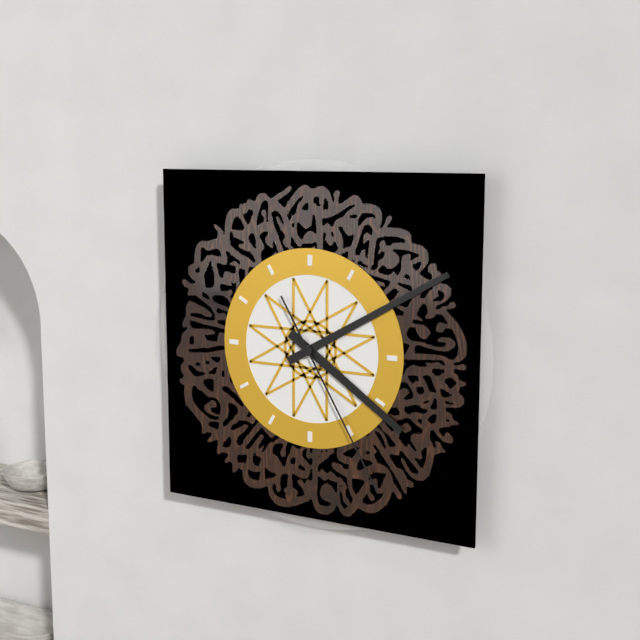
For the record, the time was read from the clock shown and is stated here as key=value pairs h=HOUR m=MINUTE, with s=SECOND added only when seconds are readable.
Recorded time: h=4 m=10 s=25
